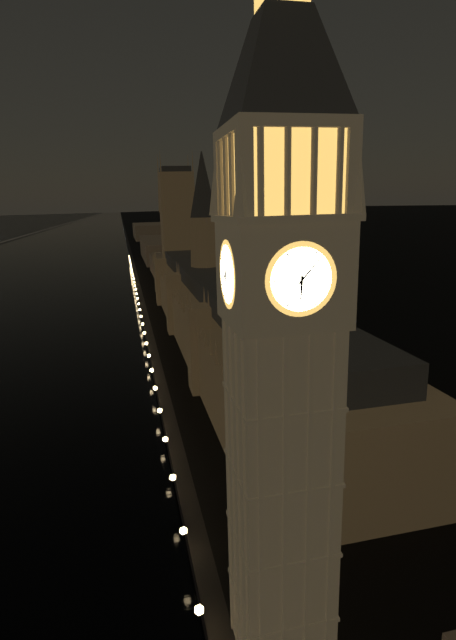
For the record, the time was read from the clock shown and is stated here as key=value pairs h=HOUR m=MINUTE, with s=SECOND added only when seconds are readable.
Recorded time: h=6 m=7
